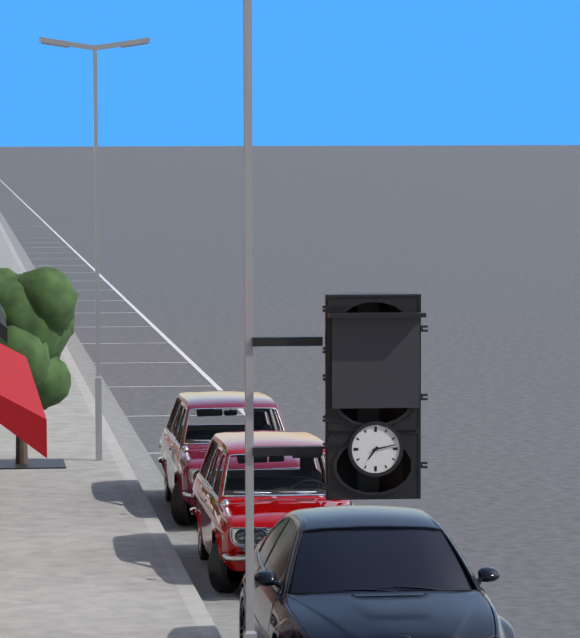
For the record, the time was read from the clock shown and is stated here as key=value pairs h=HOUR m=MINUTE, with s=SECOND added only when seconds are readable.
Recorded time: h=7 m=13
